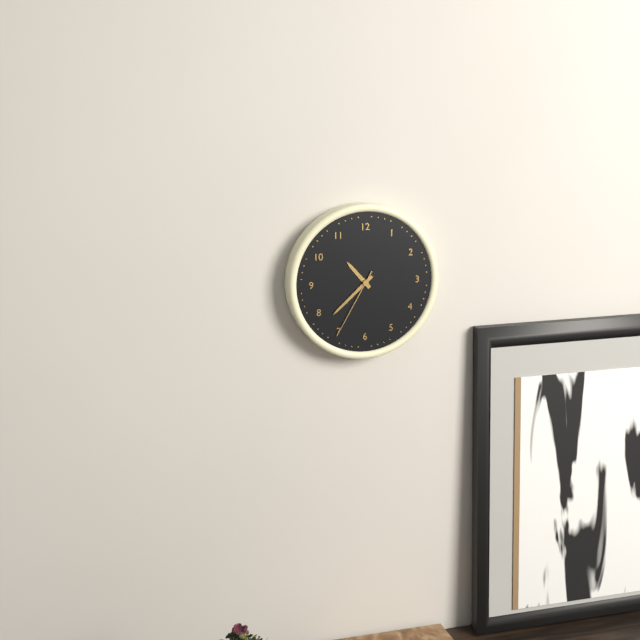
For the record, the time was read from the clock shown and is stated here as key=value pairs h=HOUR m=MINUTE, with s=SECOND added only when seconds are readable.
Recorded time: h=10 m=38 s=35
